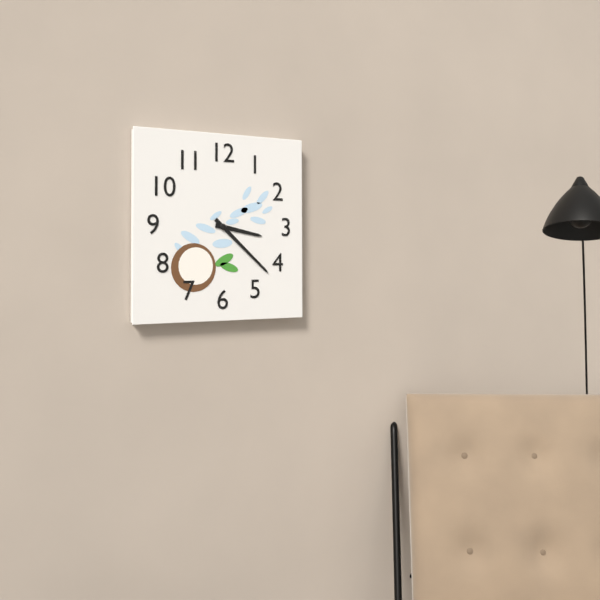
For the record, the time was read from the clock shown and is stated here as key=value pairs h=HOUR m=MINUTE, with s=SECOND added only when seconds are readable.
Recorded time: h=3 m=22
